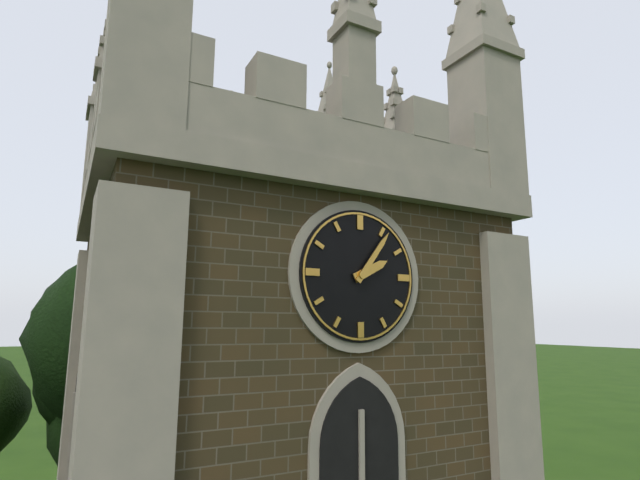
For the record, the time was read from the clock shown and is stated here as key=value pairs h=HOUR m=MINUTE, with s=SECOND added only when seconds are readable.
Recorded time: h=2 m=6
